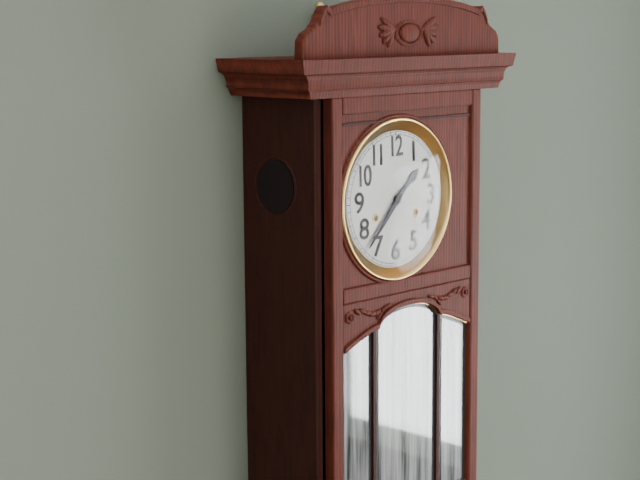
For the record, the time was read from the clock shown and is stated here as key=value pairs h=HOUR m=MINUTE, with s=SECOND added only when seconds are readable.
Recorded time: h=1 m=37
